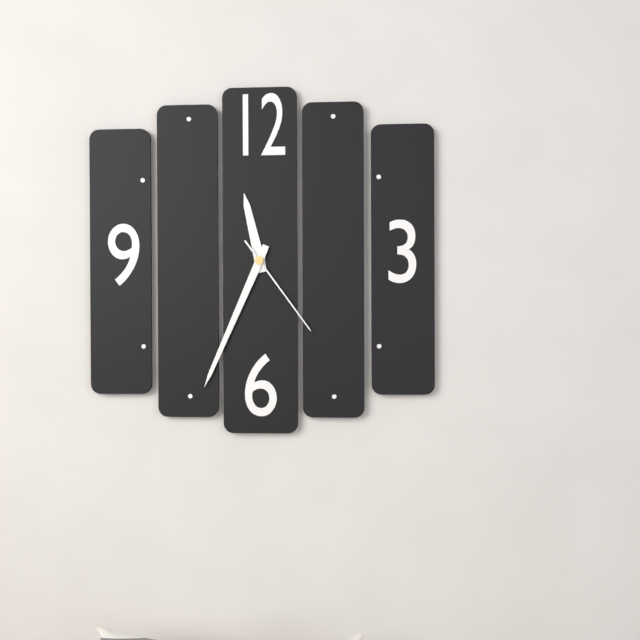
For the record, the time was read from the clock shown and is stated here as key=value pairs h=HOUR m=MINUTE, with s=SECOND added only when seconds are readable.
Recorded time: h=11 m=34 s=24
